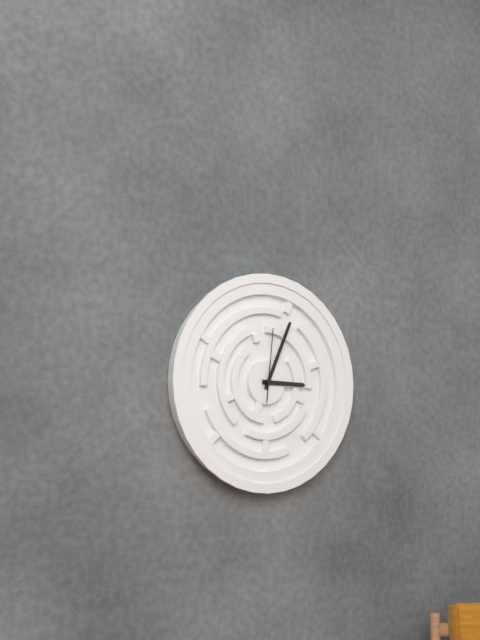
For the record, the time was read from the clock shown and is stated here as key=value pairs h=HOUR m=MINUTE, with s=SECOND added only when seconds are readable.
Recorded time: h=3 m=4 s=1
